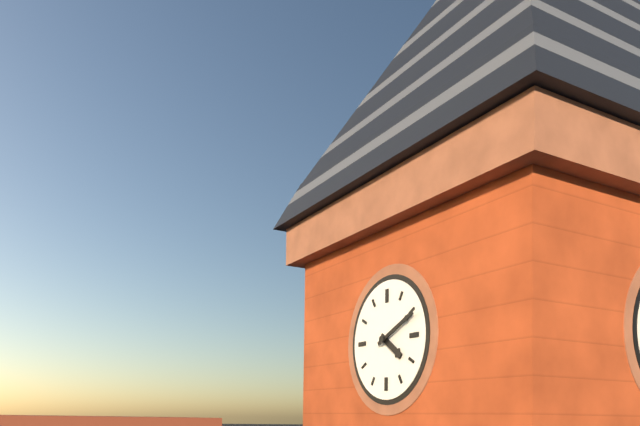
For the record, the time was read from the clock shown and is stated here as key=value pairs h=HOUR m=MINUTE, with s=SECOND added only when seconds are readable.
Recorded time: h=4 m=11
